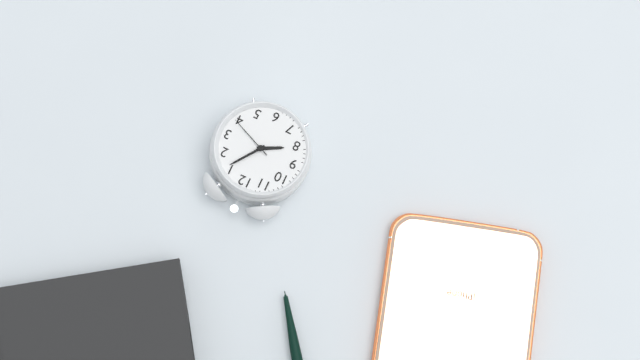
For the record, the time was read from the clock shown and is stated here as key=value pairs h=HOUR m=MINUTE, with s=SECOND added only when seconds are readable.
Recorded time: h=8 m=6
